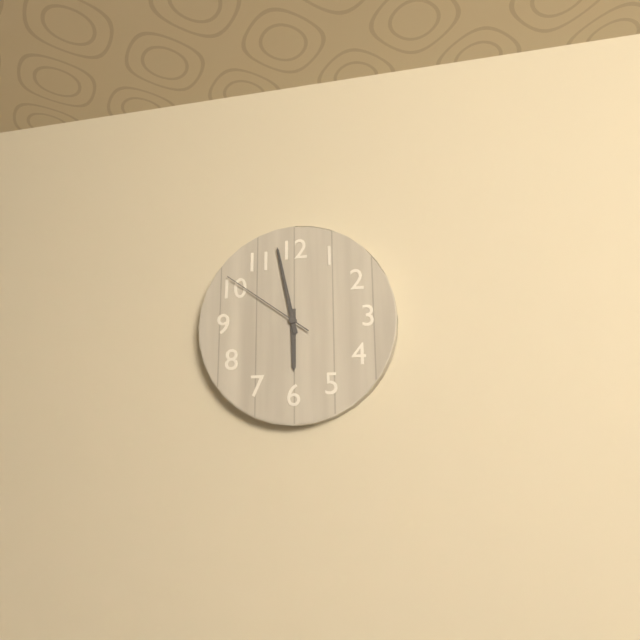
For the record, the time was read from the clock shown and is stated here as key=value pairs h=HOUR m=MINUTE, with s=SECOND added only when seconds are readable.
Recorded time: h=5 m=58 s=51
